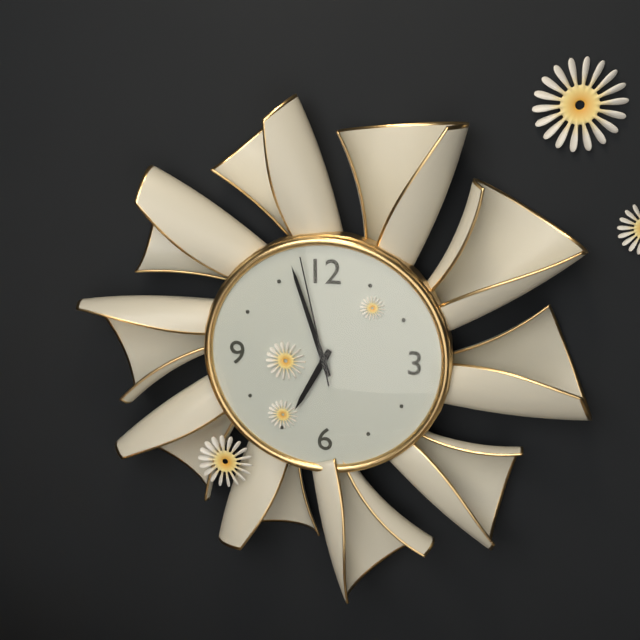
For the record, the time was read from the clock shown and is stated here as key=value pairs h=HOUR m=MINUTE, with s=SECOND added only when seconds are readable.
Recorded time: h=6 m=57 s=58
